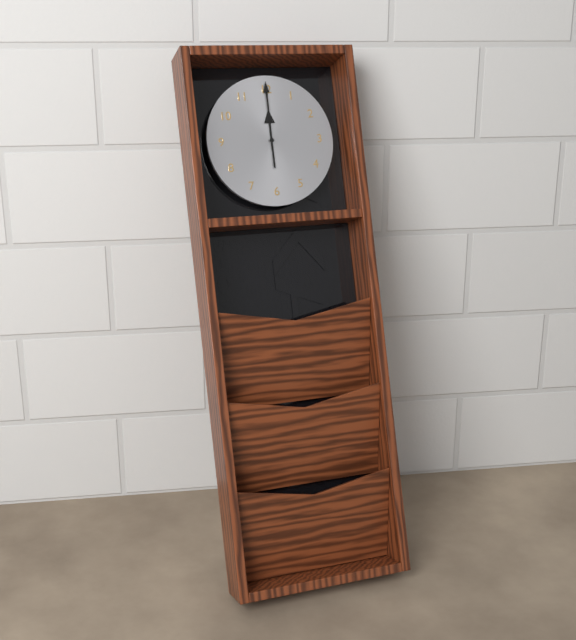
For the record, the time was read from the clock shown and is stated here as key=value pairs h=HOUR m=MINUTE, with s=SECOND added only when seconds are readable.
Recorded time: h=12 m=0
